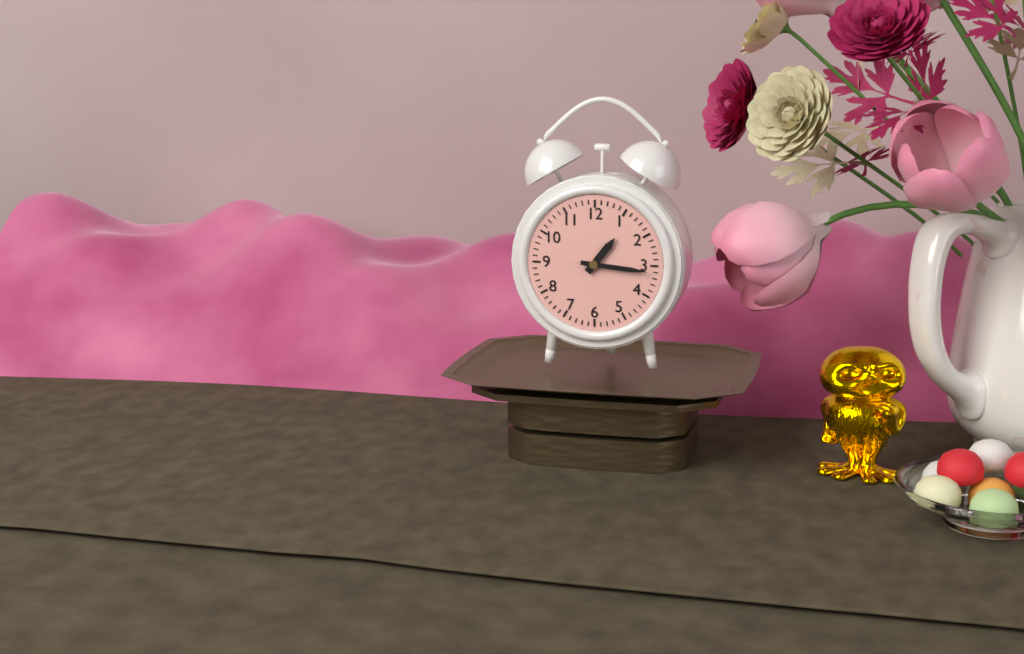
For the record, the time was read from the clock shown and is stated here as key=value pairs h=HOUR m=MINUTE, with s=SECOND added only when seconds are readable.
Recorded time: h=1 m=16
